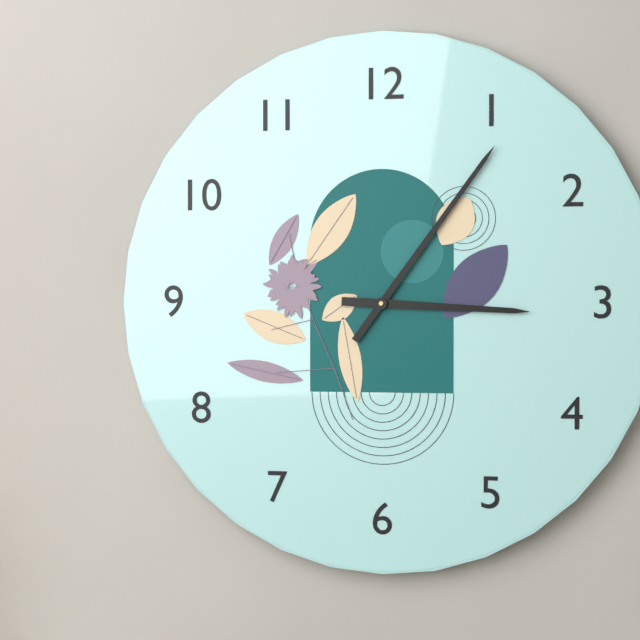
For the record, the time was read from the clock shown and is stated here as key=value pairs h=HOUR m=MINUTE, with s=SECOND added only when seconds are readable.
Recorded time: h=3 m=6
